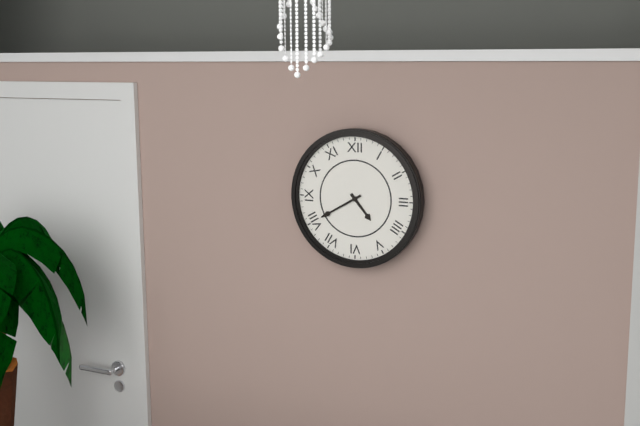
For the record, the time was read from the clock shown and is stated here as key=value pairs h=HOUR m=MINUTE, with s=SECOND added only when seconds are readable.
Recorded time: h=4 m=40
